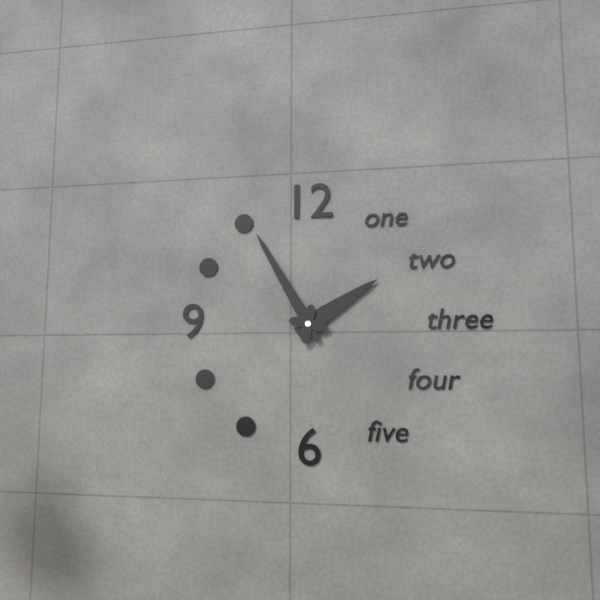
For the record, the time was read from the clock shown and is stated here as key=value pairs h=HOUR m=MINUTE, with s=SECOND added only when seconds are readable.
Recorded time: h=1 m=55
